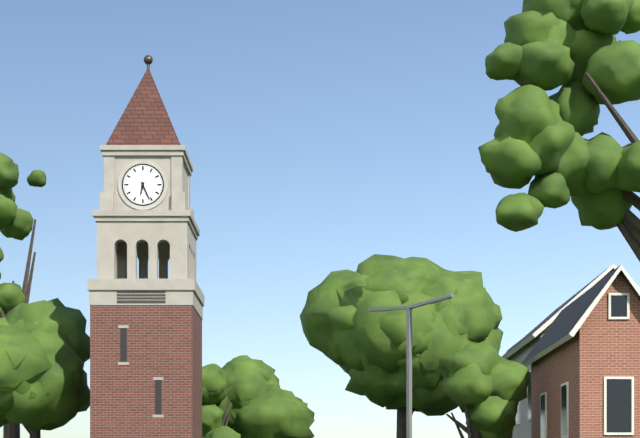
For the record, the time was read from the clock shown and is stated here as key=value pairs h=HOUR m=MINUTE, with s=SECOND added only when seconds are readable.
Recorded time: h=6 m=26
